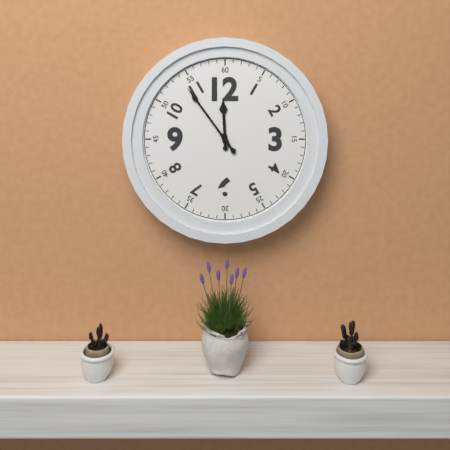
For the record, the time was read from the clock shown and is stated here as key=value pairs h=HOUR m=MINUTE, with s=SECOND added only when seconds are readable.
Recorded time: h=11 m=54
